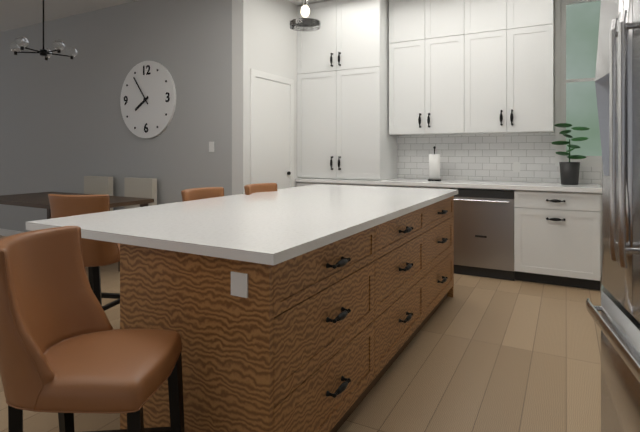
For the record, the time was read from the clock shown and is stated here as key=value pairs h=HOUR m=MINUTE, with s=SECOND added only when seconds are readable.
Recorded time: h=7 m=54
